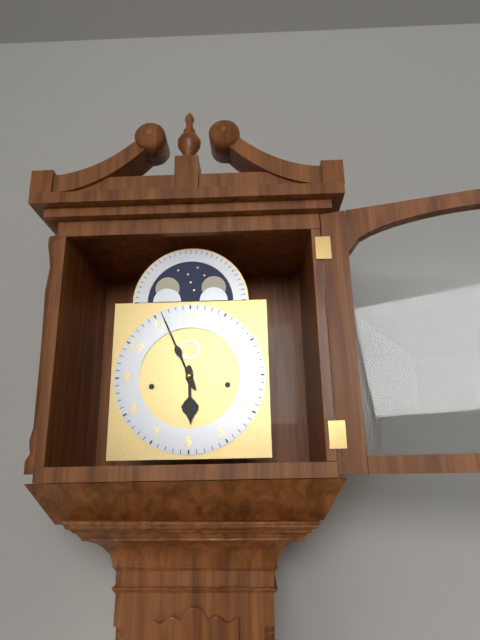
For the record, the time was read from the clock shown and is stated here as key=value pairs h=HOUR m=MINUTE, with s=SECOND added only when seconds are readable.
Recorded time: h=5 m=56
